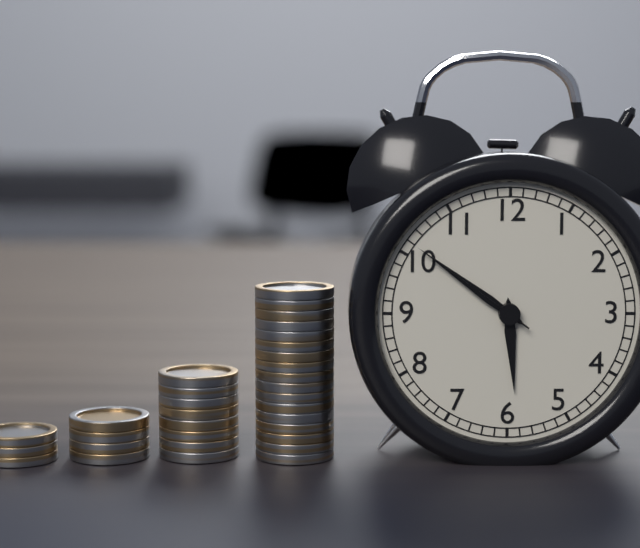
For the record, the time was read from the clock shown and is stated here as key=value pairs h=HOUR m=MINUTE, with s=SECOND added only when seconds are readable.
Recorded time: h=5 m=51 s=51
